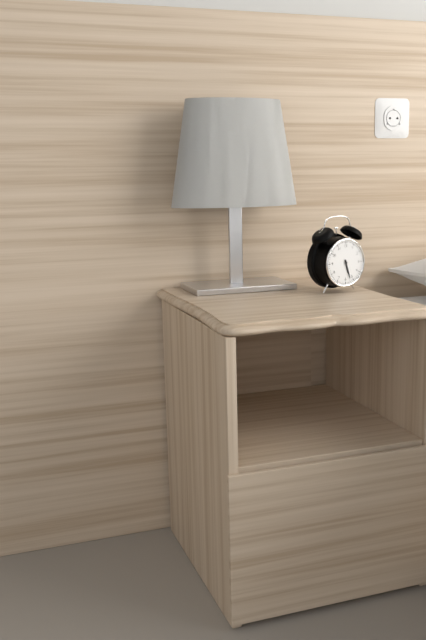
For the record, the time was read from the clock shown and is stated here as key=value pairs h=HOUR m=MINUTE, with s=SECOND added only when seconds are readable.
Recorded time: h=5 m=27
